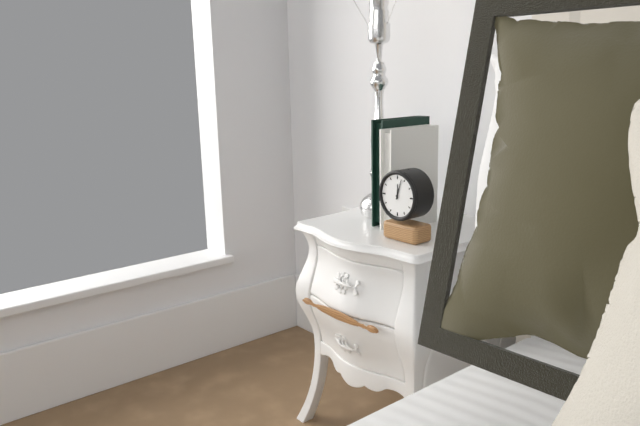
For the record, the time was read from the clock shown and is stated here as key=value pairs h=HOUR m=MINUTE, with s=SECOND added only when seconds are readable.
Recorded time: h=12 m=3
